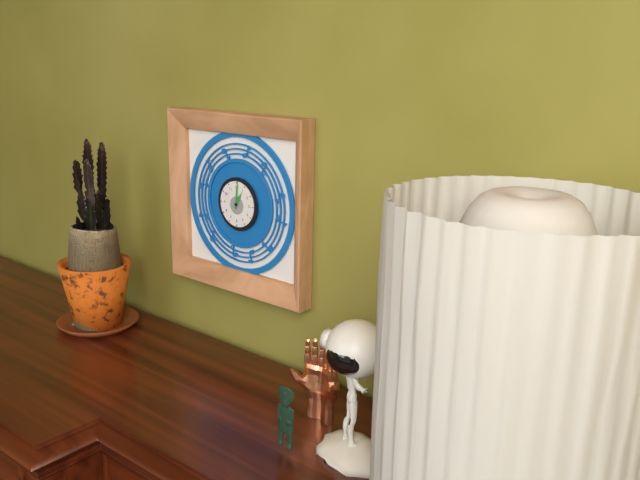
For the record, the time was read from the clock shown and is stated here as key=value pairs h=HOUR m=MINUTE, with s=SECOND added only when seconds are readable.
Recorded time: h=1 m=1
